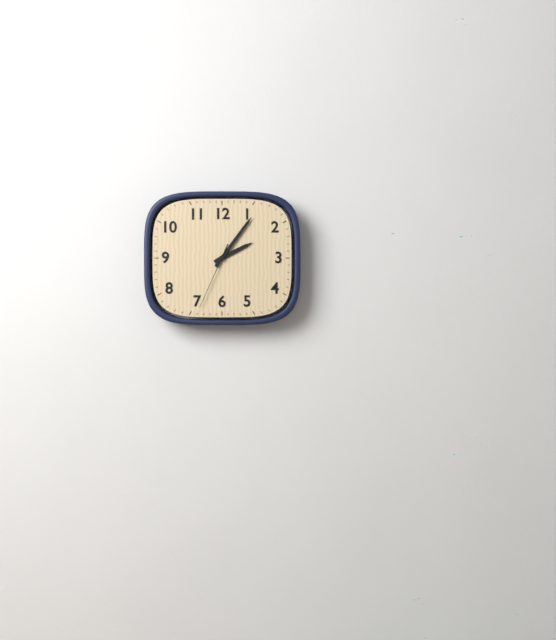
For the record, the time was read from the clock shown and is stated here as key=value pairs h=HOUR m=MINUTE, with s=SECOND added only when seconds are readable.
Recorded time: h=2 m=6 s=34
